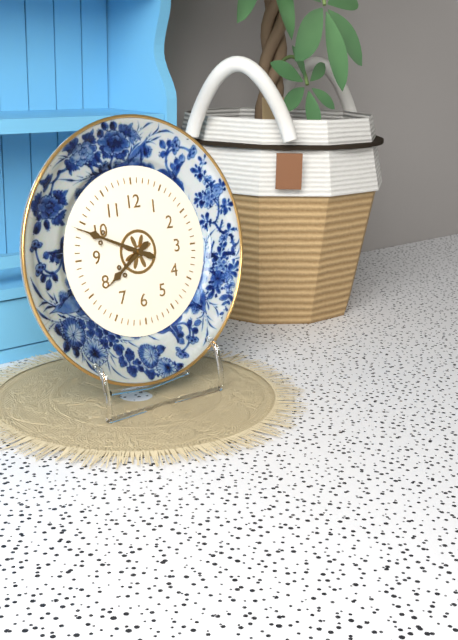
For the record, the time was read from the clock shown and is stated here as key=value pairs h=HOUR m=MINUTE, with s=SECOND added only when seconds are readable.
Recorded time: h=7 m=49
